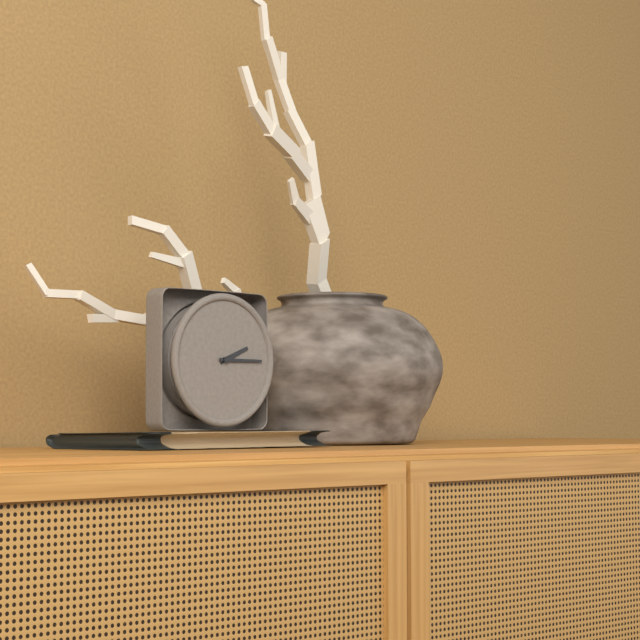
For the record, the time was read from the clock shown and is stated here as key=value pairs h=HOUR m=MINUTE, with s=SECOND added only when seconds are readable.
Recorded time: h=2 m=15
